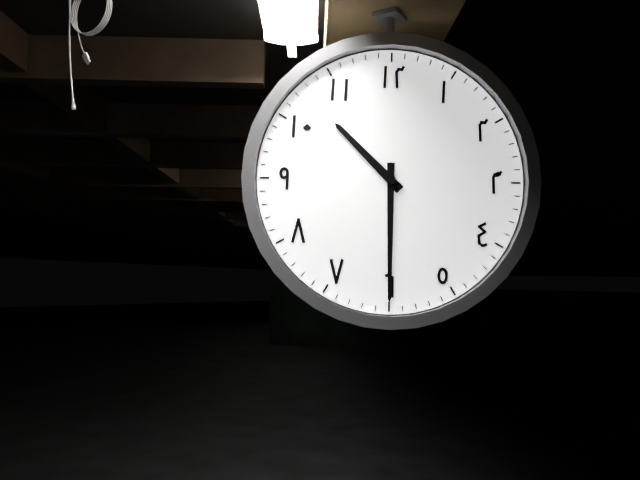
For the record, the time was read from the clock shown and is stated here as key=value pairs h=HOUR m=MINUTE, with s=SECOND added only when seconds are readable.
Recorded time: h=10 m=30
